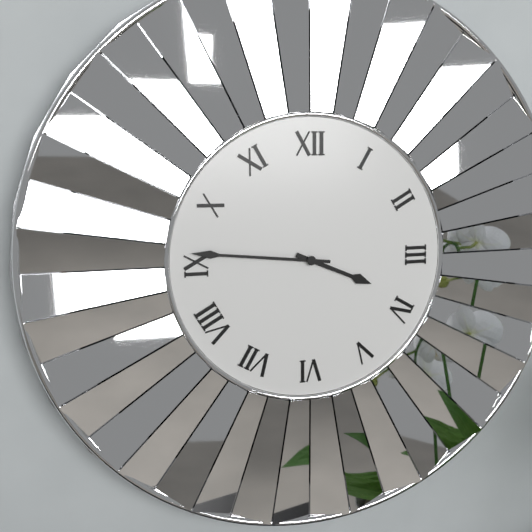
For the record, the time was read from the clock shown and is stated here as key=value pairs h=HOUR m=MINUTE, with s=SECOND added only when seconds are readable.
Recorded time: h=3 m=46
